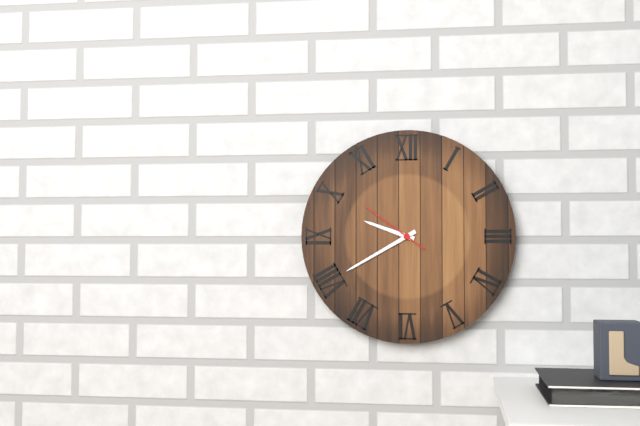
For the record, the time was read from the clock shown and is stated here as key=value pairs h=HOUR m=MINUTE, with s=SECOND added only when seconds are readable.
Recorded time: h=9 m=40 s=51
